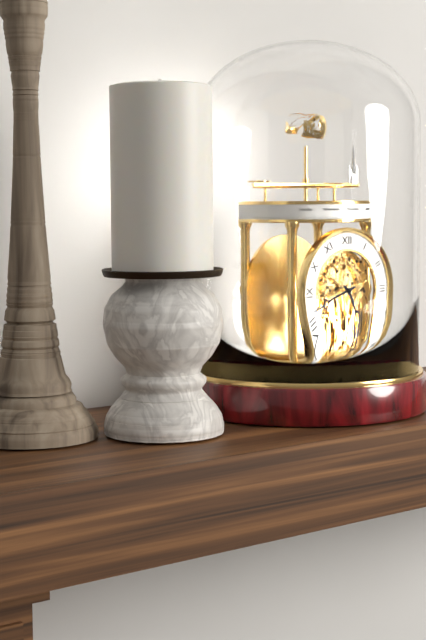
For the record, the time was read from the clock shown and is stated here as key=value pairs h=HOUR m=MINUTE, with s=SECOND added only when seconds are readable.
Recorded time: h=4 m=42
